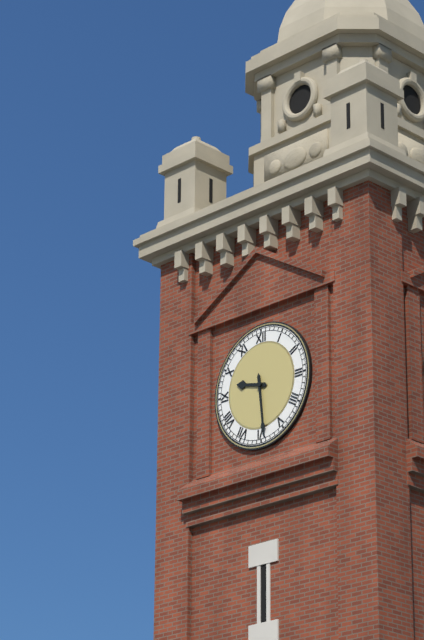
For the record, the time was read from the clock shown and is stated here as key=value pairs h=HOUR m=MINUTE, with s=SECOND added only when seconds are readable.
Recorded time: h=9 m=29
